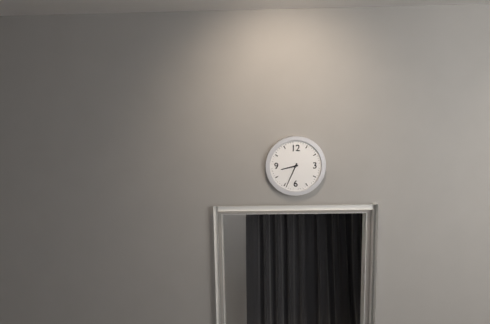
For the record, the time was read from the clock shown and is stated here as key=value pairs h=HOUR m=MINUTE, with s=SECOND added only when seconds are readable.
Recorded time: h=8 m=34
